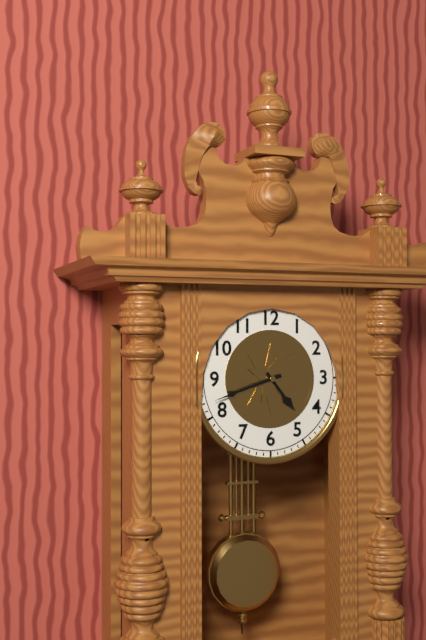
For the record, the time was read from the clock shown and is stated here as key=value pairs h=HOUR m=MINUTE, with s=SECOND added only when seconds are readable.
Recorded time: h=4 m=42
